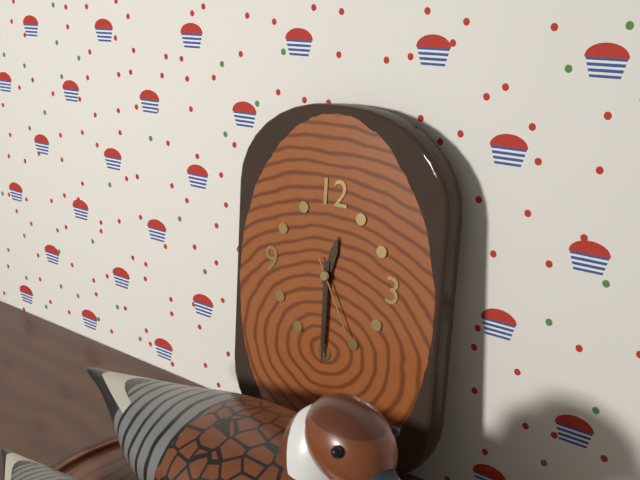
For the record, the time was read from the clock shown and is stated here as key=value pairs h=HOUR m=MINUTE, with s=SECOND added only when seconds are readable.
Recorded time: h=12 m=30 s=25
